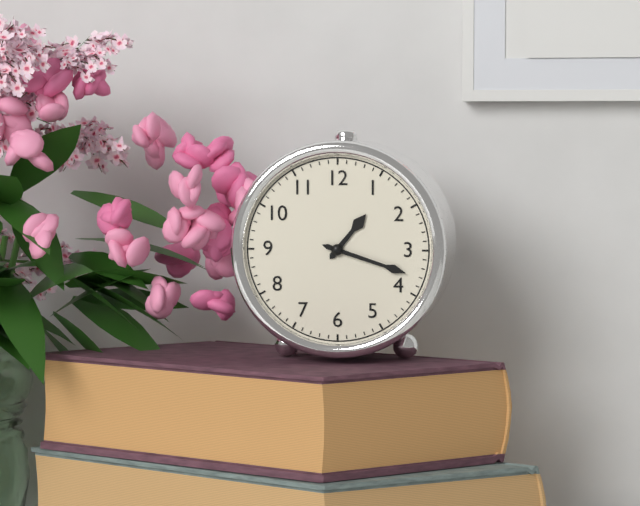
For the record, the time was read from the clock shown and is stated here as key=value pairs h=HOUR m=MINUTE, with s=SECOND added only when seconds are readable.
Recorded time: h=1 m=18
